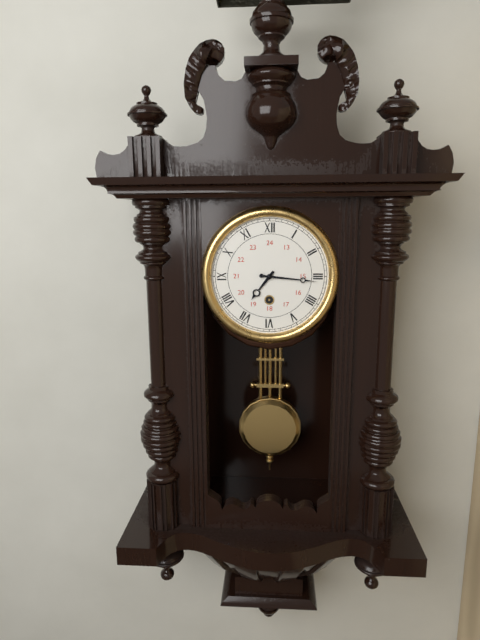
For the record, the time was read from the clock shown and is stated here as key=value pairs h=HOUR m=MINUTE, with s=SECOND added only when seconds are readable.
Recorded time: h=7 m=16
